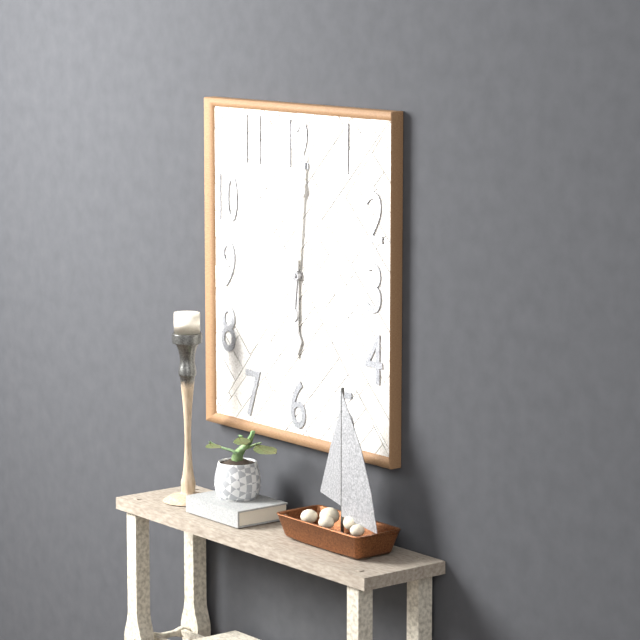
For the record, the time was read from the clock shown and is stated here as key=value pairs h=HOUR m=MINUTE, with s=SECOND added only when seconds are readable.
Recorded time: h=6 m=1
